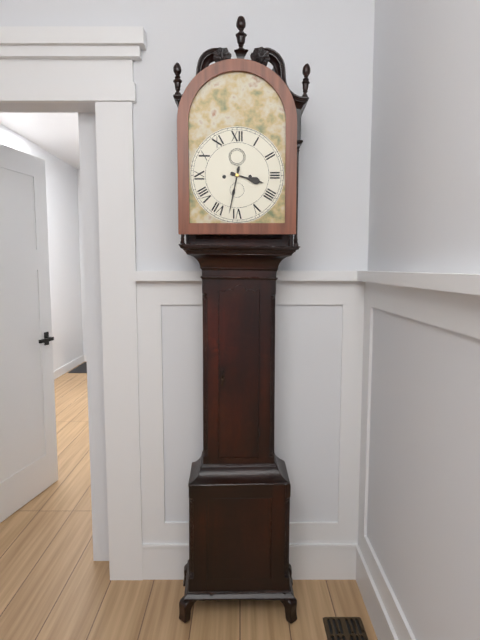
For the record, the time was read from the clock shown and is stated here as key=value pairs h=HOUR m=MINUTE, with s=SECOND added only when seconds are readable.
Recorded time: h=3 m=32
